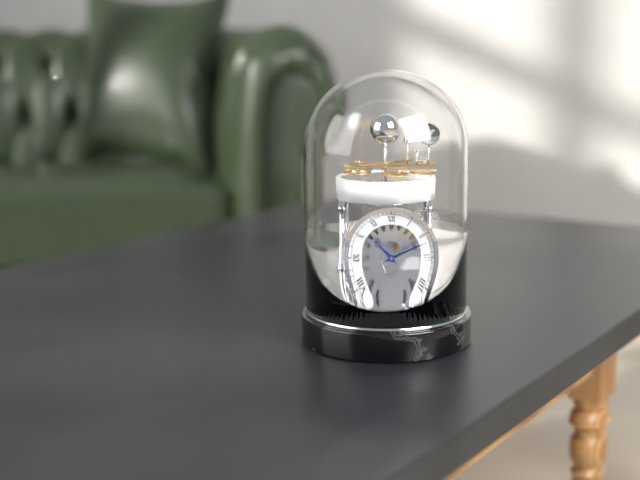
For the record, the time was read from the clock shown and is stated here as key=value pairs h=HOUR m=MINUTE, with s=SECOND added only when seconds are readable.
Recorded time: h=10 m=12
